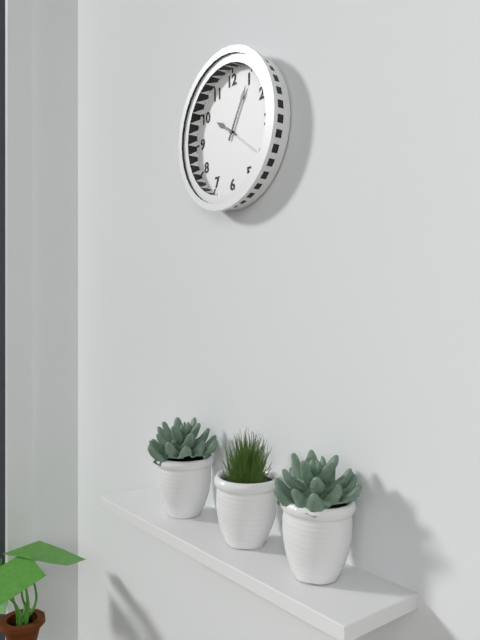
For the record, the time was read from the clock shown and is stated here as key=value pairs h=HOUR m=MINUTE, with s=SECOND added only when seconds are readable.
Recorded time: h=10 m=5
